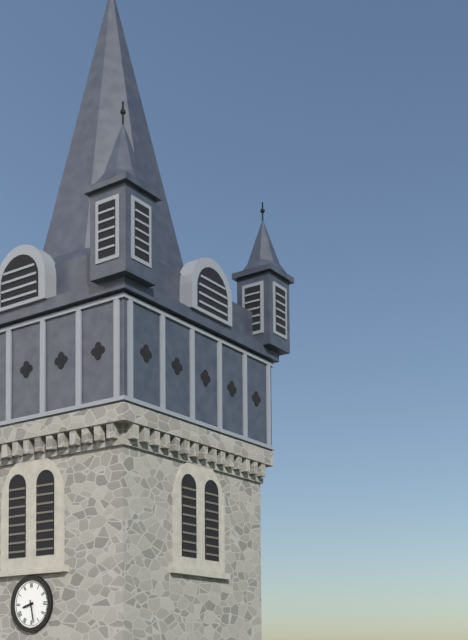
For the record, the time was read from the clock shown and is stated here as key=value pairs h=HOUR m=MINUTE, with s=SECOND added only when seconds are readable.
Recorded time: h=8 m=28
